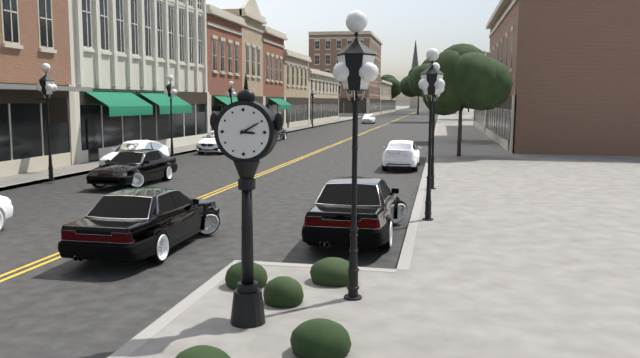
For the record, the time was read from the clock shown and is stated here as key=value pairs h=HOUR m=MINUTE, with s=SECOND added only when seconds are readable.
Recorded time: h=3 m=10
